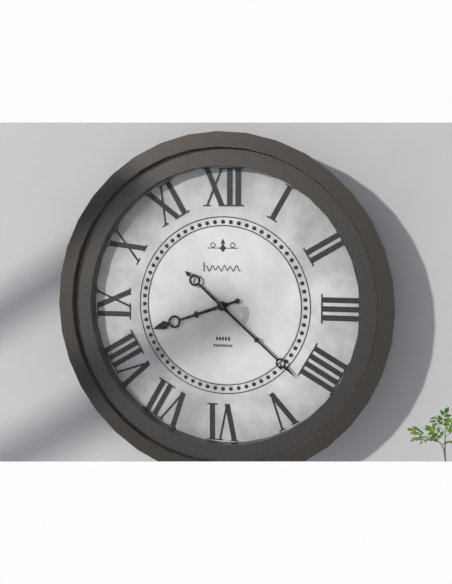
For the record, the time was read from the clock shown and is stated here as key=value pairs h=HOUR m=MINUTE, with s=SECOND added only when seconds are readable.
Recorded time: h=8 m=22
